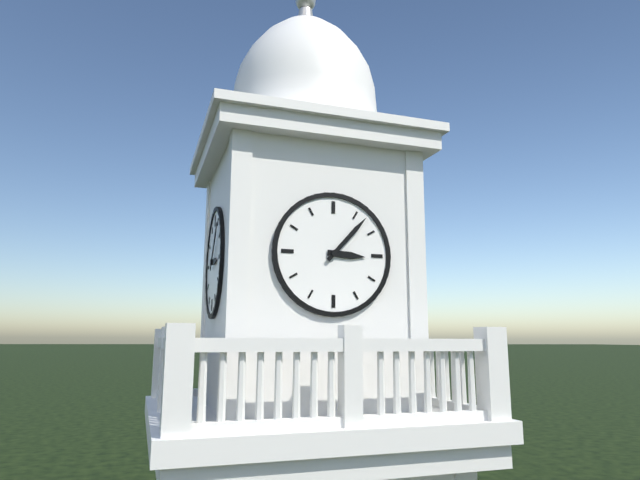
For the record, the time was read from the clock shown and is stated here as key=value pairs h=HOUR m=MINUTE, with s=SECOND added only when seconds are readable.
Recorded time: h=3 m=7
